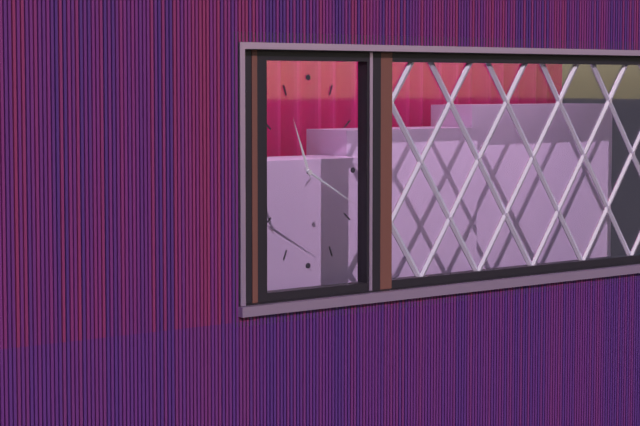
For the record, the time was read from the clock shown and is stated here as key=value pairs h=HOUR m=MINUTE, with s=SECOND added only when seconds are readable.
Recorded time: h=11 m=20
